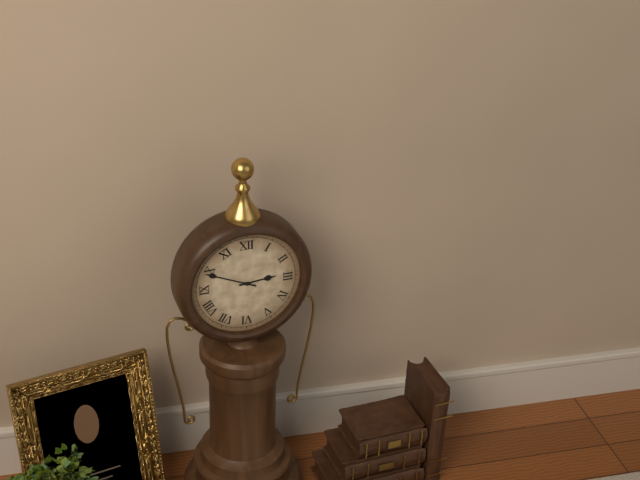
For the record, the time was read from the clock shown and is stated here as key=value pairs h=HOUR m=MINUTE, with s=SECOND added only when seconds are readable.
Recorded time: h=2 m=49
